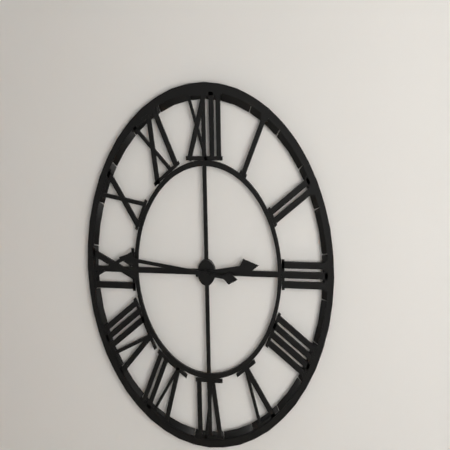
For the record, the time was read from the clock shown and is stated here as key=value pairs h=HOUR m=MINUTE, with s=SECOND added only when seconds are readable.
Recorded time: h=2 m=46
